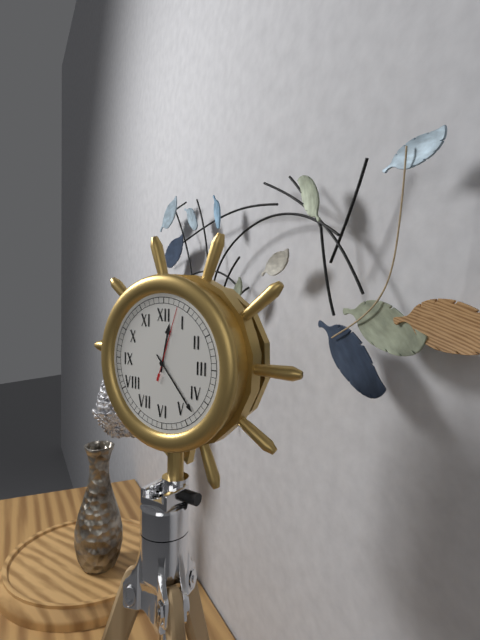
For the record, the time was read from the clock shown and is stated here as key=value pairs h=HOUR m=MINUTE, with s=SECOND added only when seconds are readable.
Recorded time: h=12 m=23 s=3
